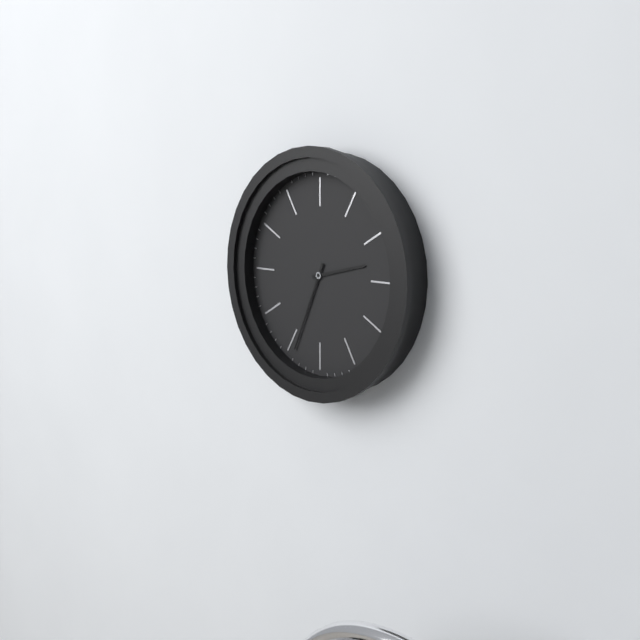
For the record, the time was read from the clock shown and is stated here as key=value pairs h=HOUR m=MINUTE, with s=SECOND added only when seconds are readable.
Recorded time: h=2 m=34
